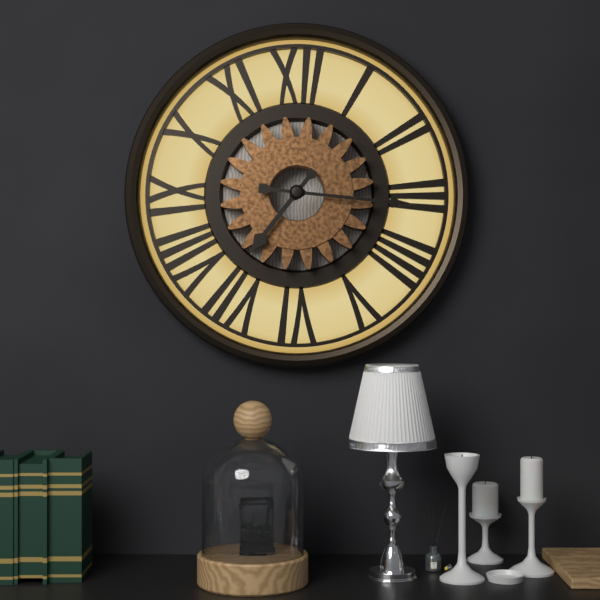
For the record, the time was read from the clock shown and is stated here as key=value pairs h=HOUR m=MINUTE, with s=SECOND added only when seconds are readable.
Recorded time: h=7 m=16
